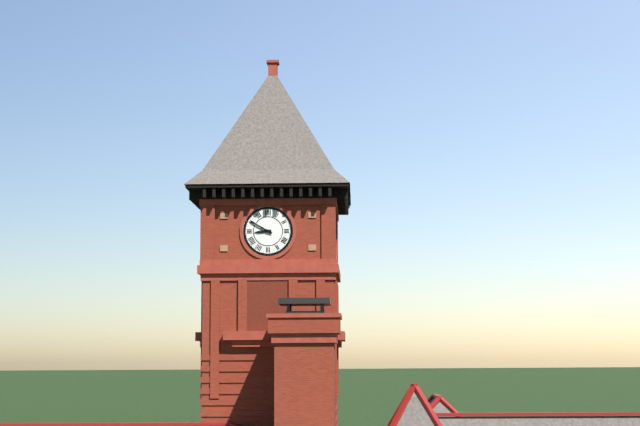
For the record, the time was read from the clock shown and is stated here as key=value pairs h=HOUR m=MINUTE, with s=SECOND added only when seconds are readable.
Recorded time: h=8 m=50
